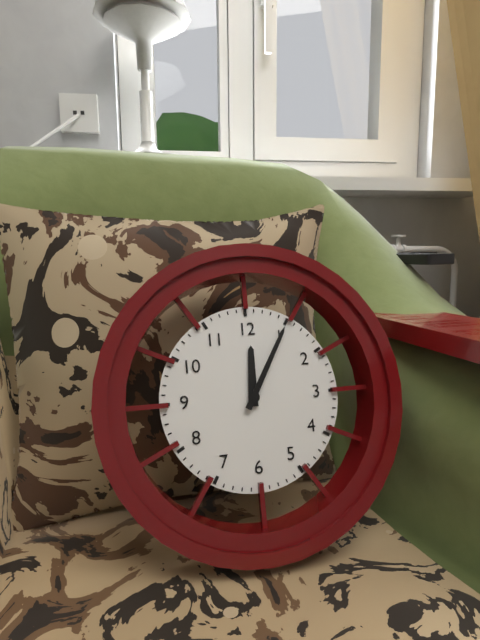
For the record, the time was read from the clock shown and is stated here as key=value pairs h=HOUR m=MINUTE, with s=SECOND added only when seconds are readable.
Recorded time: h=12 m=5
